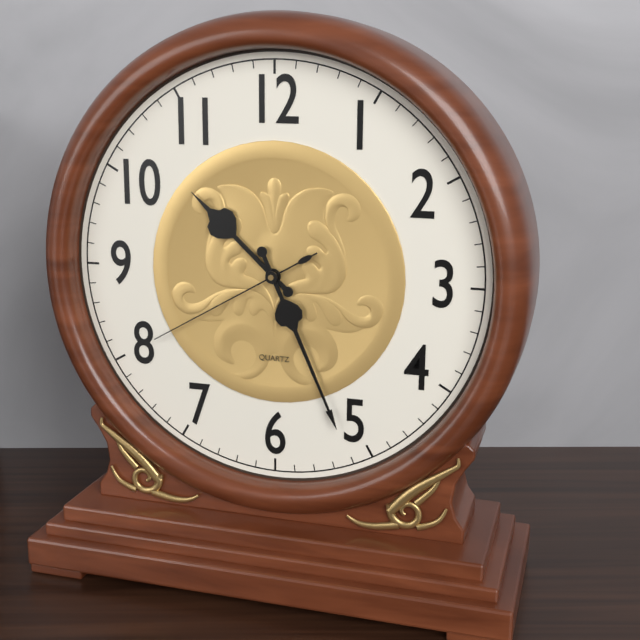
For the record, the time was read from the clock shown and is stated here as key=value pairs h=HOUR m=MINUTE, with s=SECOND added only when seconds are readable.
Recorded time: h=10 m=26 s=40
